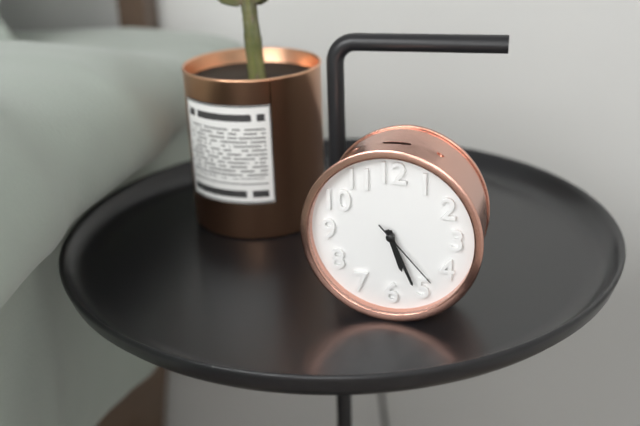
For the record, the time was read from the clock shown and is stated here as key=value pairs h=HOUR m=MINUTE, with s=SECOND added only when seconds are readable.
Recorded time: h=5 m=26 s=23
